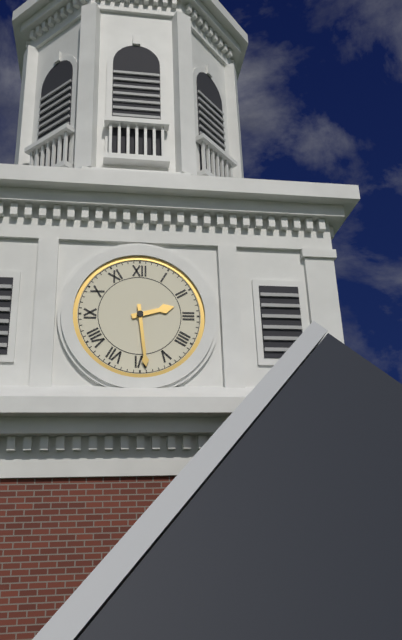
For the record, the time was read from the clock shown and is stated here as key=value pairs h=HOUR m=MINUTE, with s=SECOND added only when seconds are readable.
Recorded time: h=2 m=29
